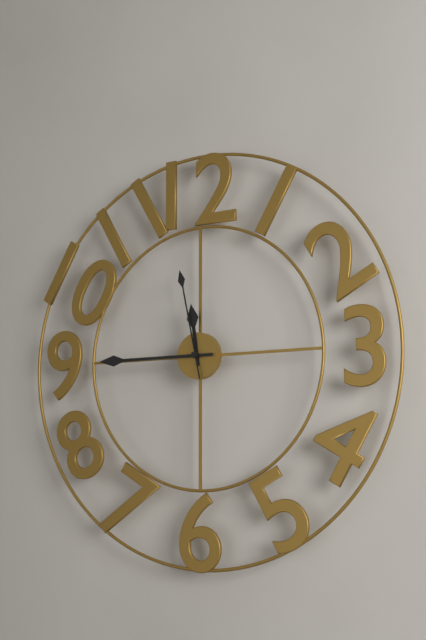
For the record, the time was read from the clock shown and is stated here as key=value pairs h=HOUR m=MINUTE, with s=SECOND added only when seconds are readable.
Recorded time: h=11 m=45 s=58
